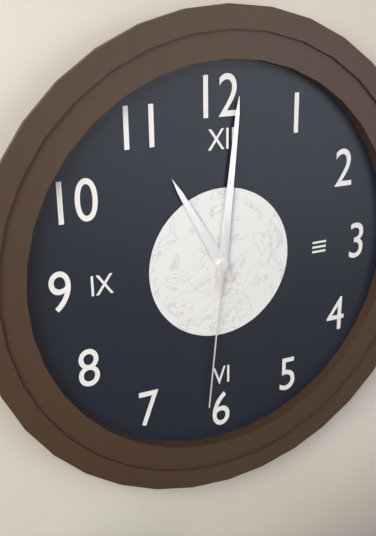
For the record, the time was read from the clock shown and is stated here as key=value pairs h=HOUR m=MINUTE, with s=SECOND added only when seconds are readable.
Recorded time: h=11 m=1 s=31
